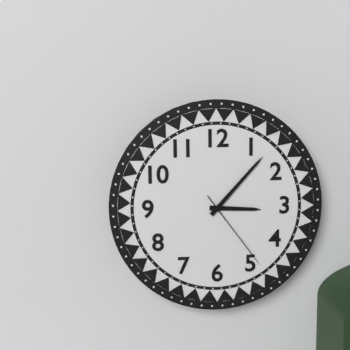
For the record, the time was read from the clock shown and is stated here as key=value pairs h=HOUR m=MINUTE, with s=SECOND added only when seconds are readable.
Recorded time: h=3 m=7 s=24
